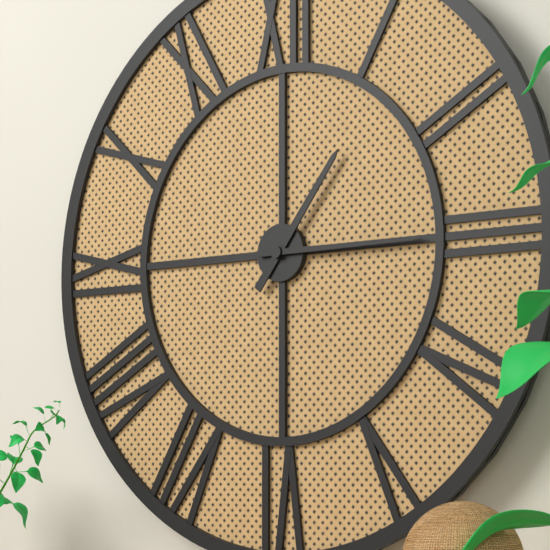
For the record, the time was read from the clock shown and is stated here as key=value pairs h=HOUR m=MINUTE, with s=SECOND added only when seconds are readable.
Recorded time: h=1 m=15
